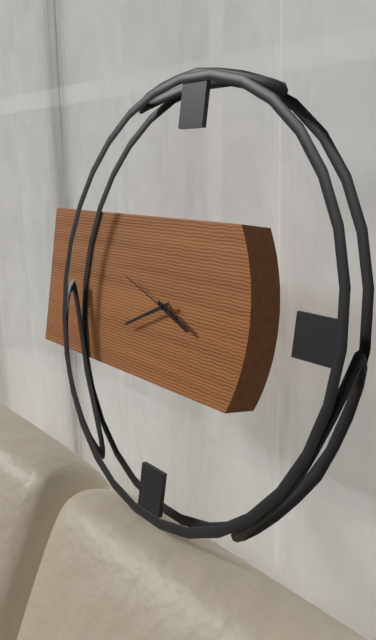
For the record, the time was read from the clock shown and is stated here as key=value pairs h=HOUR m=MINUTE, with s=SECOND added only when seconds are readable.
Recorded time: h=3 m=41 s=48
